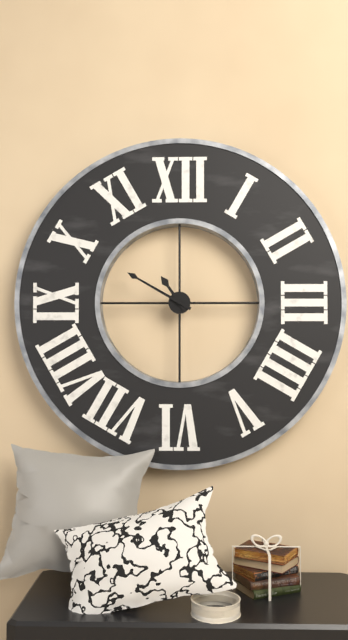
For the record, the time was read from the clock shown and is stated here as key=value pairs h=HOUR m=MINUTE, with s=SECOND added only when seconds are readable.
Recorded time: h=10 m=50
